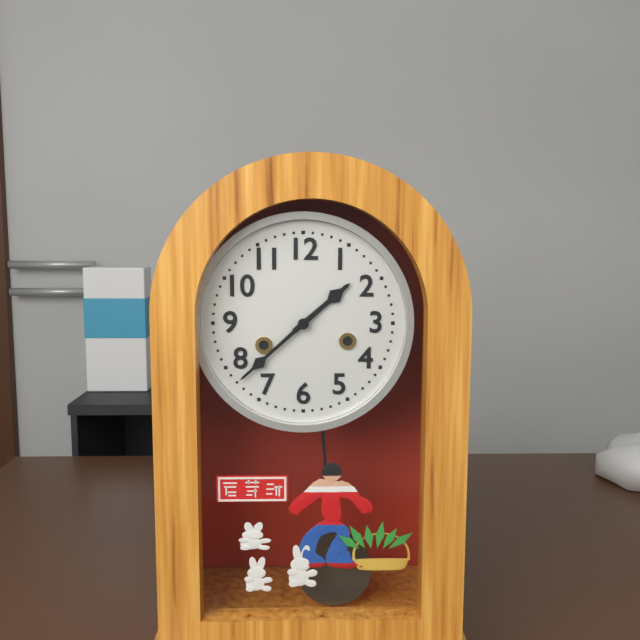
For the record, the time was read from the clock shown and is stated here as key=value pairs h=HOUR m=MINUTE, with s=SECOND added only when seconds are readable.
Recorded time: h=1 m=38
